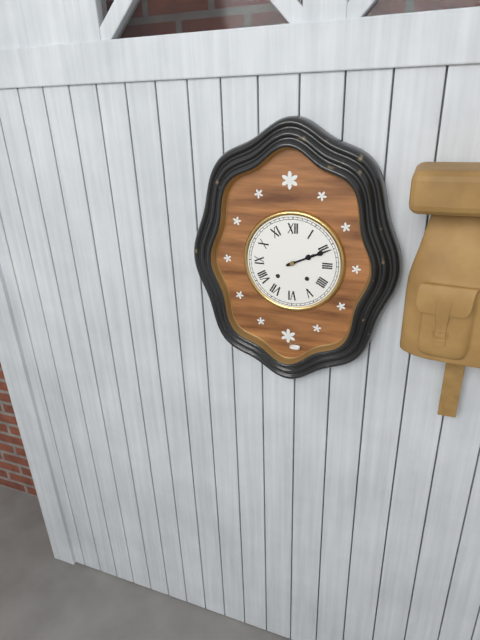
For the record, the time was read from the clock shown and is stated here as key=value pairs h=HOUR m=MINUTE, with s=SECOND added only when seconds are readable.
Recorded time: h=2 m=11
